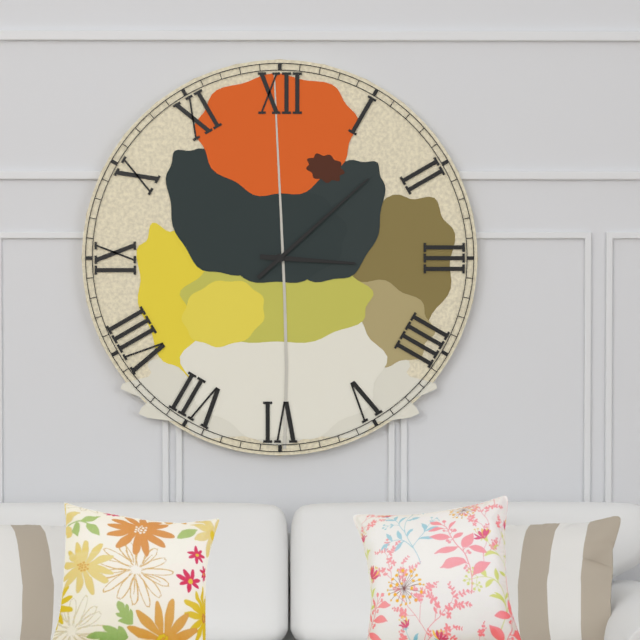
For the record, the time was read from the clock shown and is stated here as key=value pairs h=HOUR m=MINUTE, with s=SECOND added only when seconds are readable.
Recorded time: h=3 m=8
